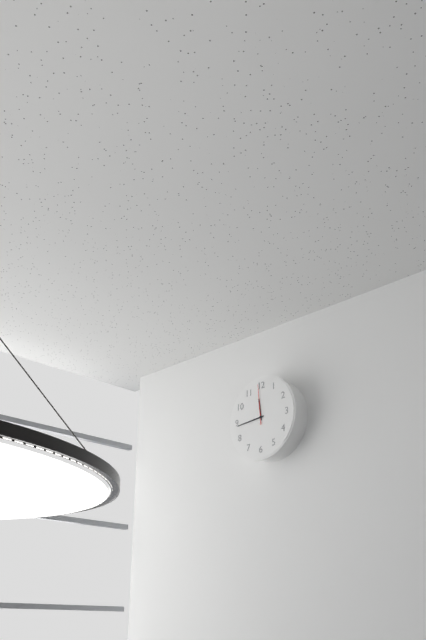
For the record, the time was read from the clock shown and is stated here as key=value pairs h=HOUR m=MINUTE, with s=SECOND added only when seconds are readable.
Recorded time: h=11 m=44
